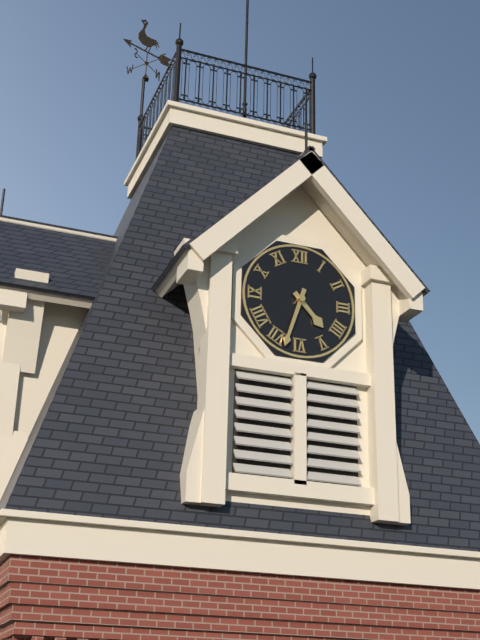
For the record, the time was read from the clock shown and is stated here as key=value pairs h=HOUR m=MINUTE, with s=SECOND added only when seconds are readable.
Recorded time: h=4 m=33
